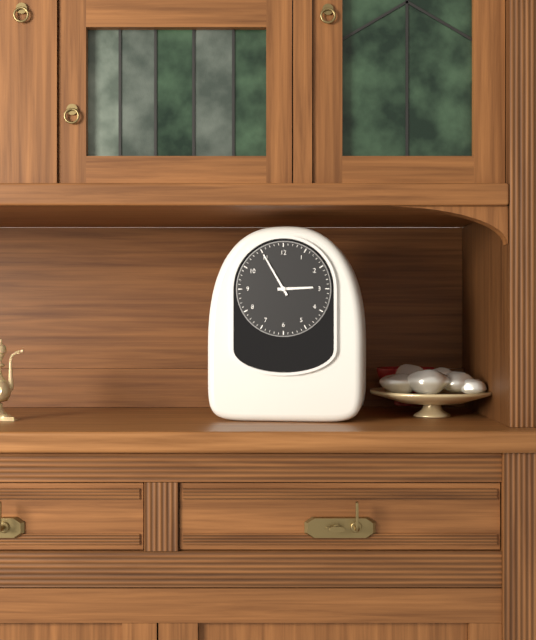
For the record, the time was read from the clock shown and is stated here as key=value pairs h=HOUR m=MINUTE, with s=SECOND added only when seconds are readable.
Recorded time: h=2 m=55
